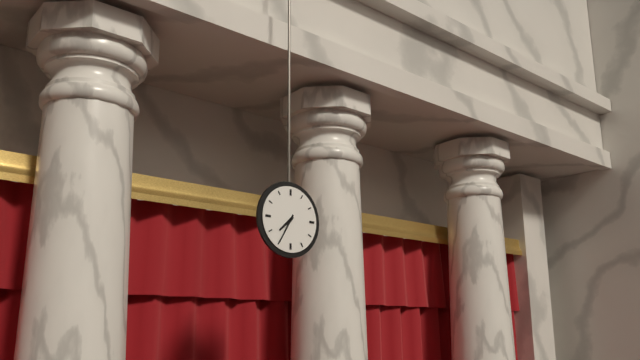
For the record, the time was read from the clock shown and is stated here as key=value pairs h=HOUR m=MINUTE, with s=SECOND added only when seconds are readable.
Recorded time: h=7 m=35
